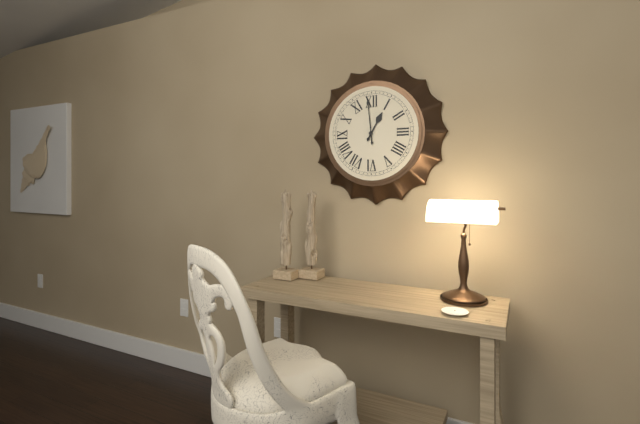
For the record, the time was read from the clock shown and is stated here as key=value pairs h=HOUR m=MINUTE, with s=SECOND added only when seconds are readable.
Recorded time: h=12 m=59
